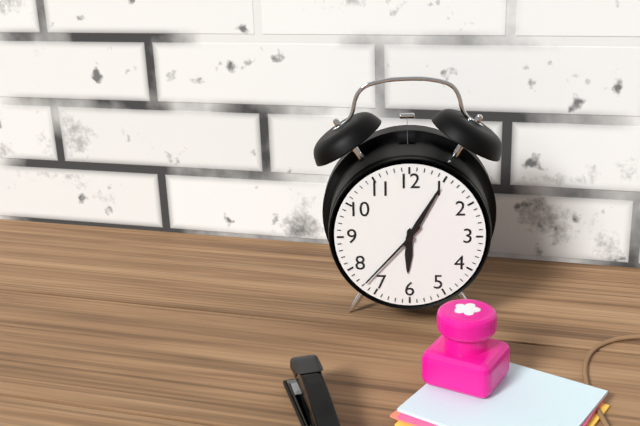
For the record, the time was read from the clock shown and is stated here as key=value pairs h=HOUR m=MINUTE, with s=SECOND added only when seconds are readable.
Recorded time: h=6 m=5 s=37
